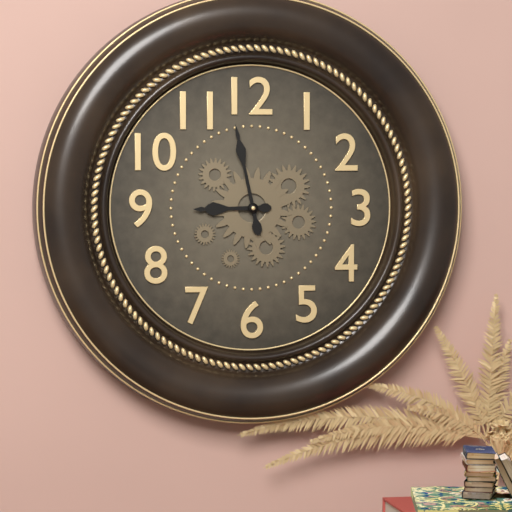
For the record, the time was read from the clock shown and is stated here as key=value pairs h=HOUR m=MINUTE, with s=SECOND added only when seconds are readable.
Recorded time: h=8 m=58
